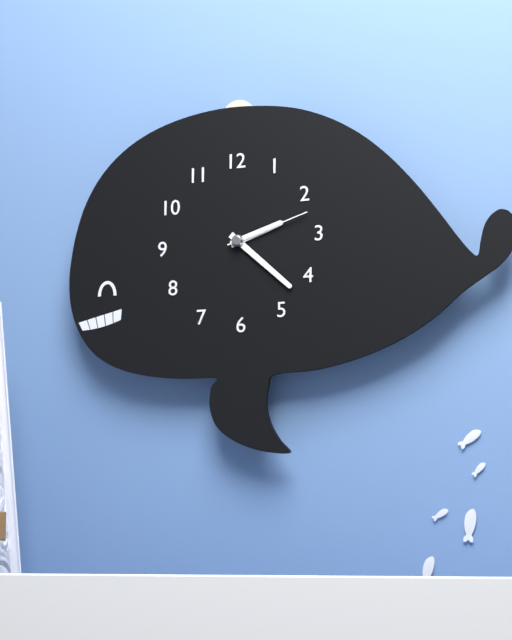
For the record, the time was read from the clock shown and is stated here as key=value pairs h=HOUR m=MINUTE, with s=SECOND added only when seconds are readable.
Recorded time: h=2 m=22 s=12
